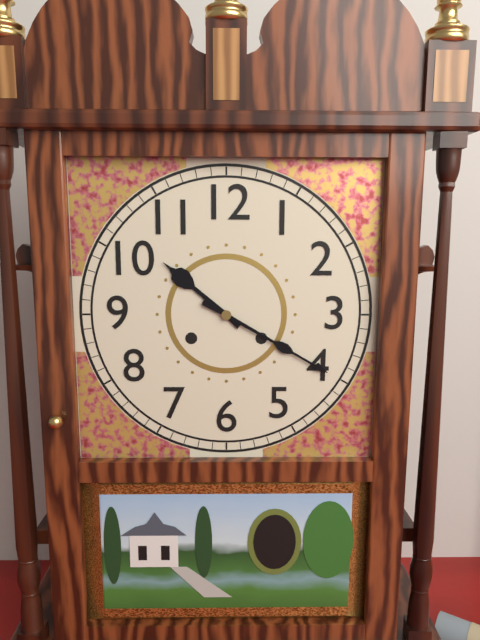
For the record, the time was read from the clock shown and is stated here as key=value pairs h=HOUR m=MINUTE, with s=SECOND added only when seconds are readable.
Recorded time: h=10 m=20
